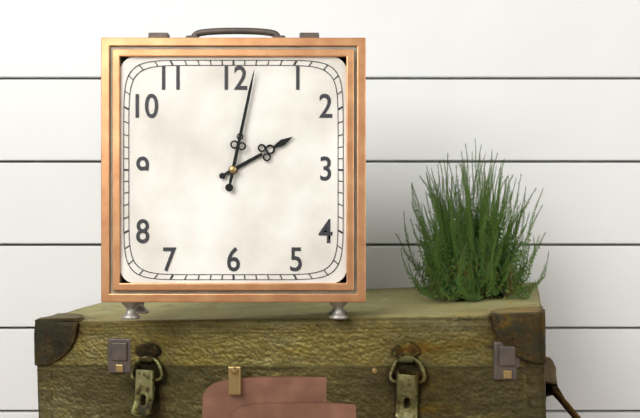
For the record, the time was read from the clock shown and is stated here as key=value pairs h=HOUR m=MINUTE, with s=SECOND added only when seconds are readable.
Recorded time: h=2 m=2
